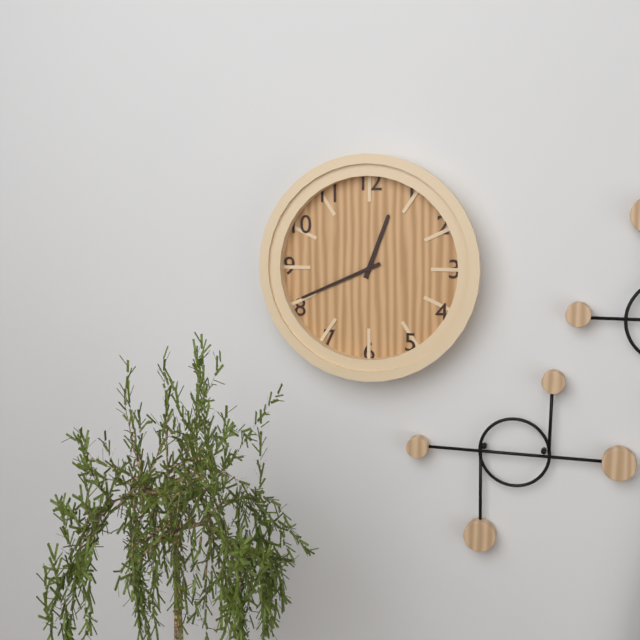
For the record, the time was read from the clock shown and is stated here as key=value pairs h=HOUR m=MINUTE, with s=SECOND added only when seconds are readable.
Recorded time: h=12 m=41
